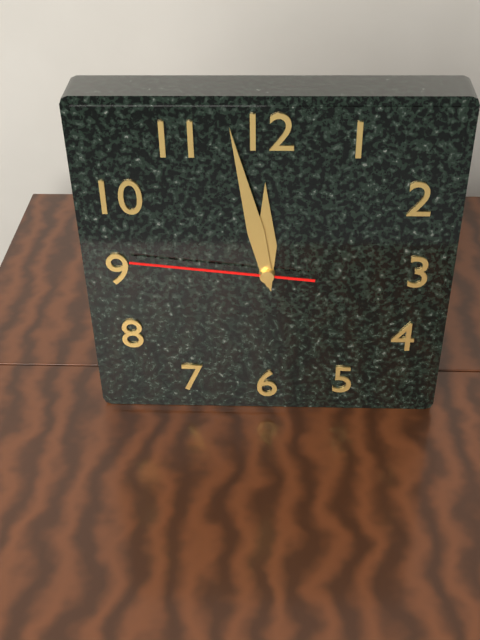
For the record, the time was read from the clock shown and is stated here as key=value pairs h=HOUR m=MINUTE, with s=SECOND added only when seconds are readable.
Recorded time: h=11 m=58 s=46
